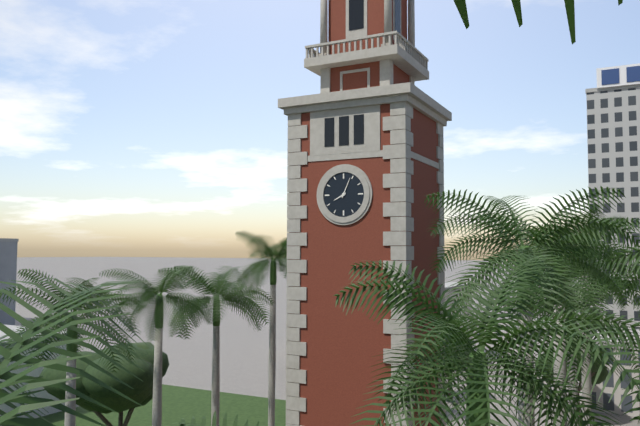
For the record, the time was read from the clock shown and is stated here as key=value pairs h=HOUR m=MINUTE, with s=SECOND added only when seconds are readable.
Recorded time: h=8 m=4
